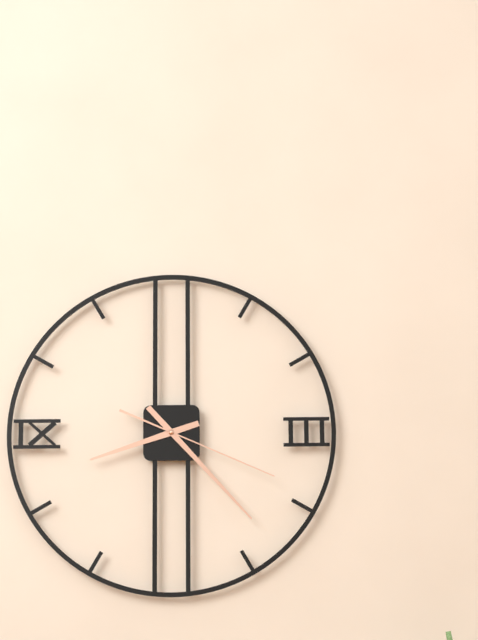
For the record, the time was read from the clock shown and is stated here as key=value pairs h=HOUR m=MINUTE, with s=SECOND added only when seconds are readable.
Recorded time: h=8 m=23 s=19
